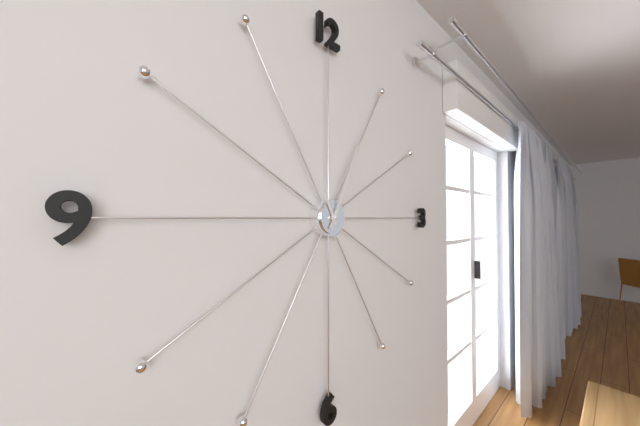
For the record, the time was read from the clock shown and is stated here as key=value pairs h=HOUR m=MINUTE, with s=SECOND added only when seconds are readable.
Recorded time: h=11 m=4
